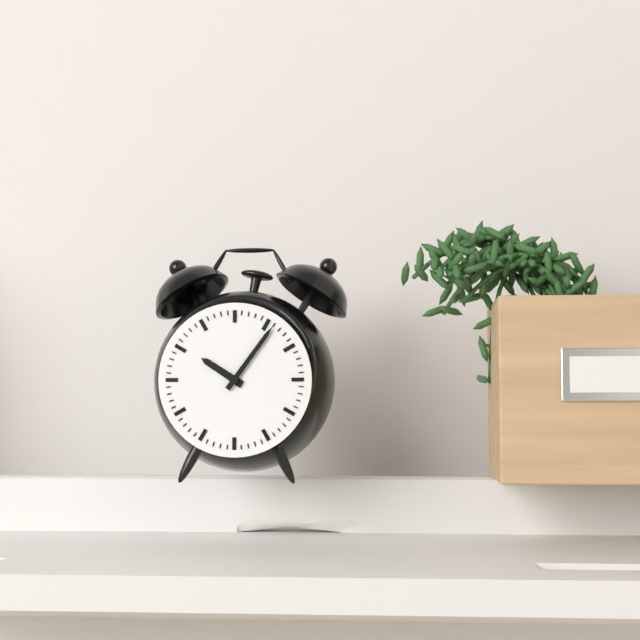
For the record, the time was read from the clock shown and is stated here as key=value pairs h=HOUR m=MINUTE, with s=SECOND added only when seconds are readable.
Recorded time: h=10 m=6
